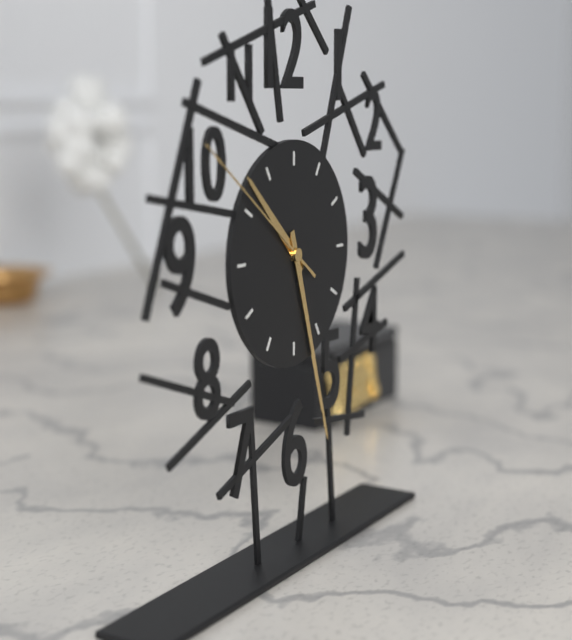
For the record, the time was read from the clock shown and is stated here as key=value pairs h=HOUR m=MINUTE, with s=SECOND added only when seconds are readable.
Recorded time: h=10 m=27 s=51
